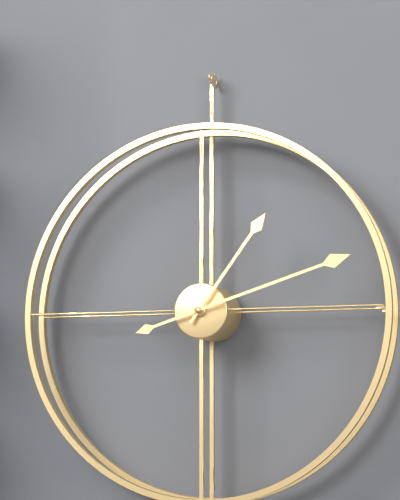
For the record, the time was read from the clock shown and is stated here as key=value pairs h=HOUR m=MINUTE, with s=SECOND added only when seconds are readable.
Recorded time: h=1 m=12
